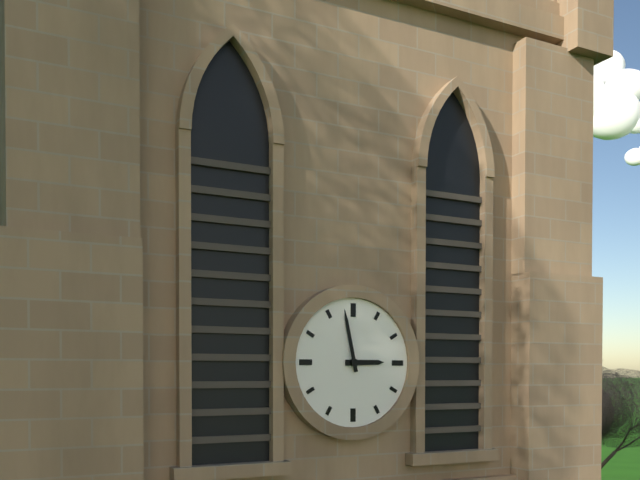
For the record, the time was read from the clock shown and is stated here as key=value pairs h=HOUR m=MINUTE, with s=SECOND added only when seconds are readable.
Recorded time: h=2 m=58
